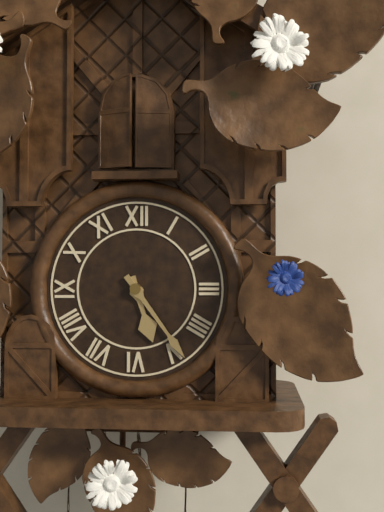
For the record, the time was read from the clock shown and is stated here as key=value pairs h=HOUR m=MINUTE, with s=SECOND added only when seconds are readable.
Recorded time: h=5 m=24
